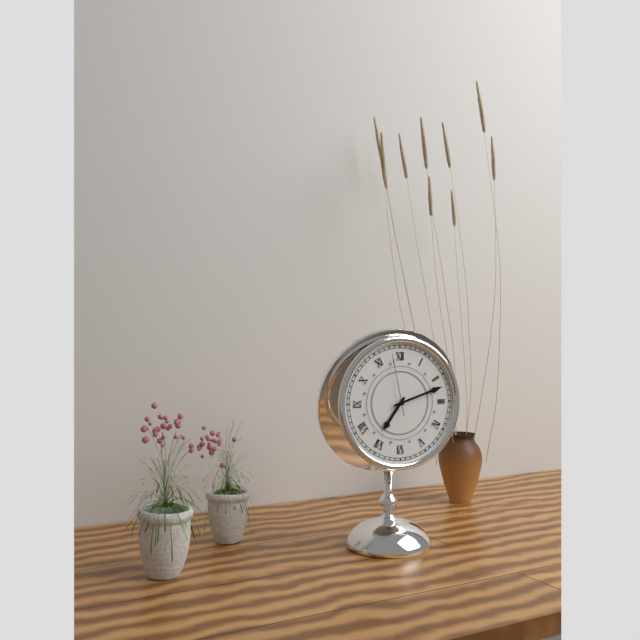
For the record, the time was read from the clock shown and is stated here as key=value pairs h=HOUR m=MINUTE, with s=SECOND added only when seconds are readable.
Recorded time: h=7 m=12 s=58
